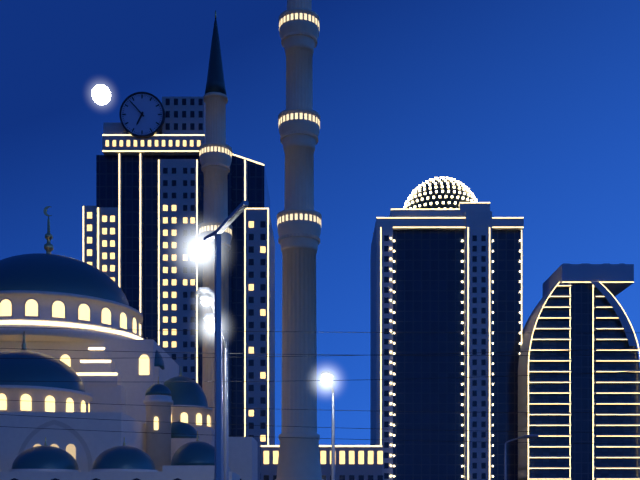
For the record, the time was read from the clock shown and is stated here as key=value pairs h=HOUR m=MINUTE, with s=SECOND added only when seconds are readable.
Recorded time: h=6 m=53
